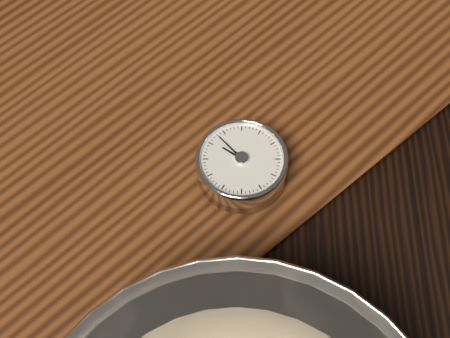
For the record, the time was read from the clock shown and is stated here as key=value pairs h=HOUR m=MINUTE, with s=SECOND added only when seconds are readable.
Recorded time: h=1 m=8
